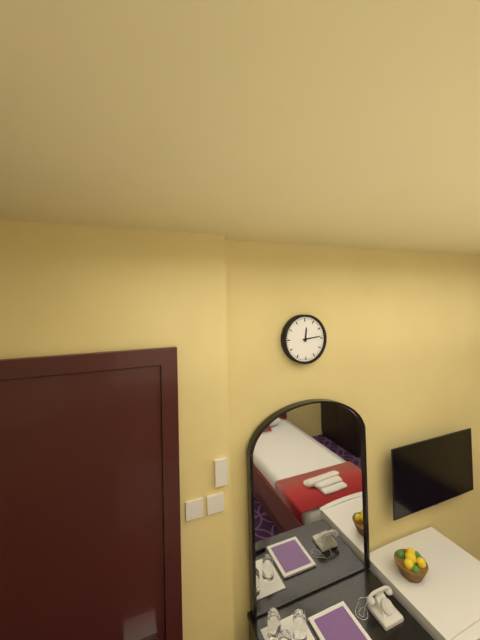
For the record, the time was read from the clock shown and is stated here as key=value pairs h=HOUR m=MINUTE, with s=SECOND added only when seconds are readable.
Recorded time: h=12 m=14
